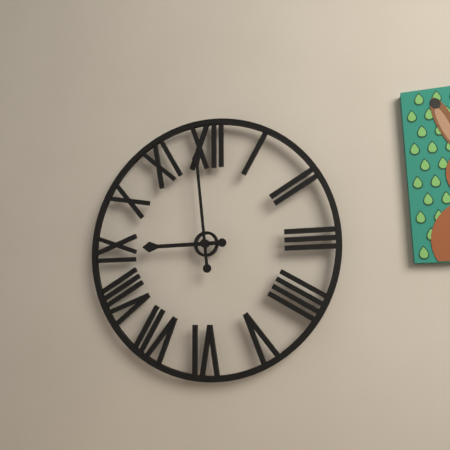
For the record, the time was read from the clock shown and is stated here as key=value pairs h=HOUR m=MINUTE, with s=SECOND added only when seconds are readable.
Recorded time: h=8 m=59
